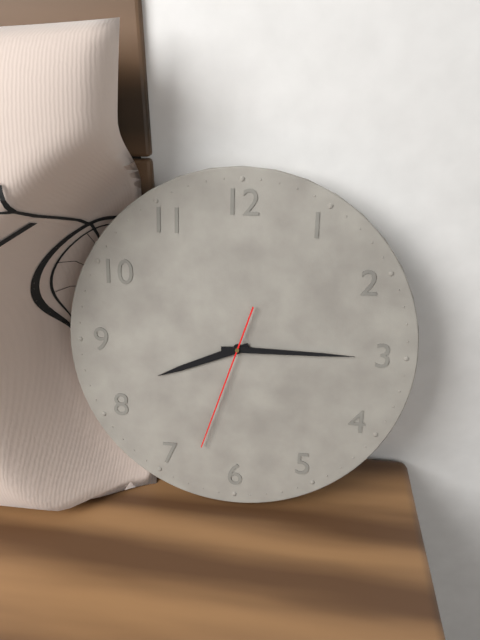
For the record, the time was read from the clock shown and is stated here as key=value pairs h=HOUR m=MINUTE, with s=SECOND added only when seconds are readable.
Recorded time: h=8 m=15 s=33
